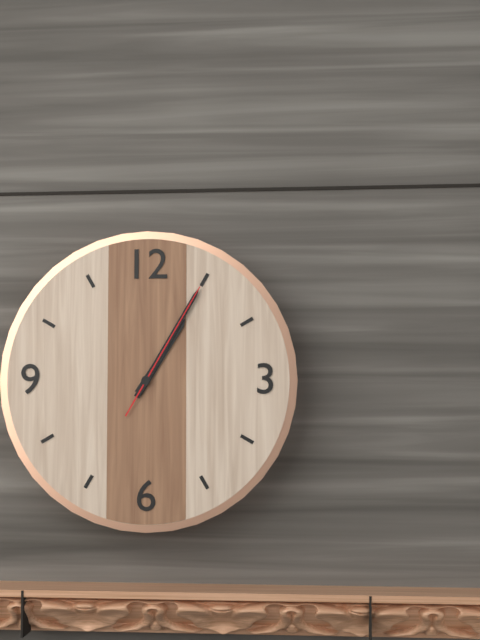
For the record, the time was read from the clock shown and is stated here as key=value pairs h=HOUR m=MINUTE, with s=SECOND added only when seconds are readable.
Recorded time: h=1 m=5 s=5
